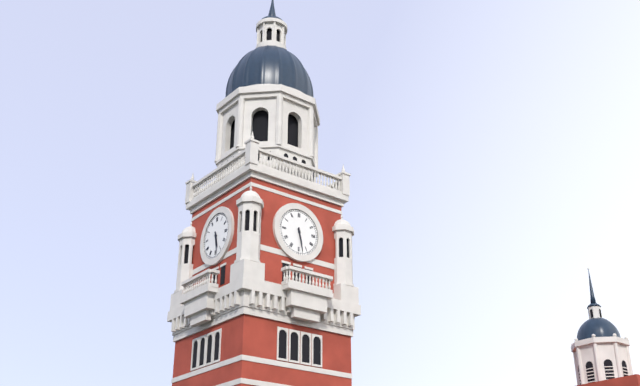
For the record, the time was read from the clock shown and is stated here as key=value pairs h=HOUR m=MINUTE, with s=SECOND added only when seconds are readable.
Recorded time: h=5 m=28
